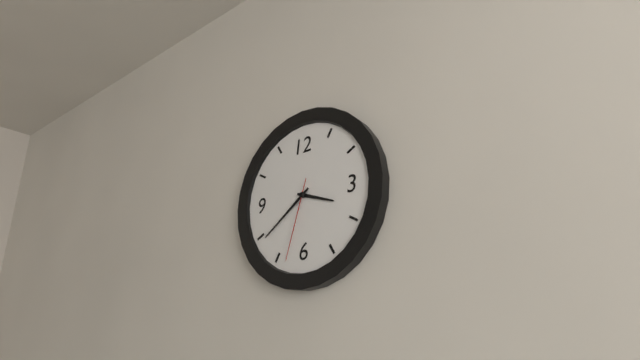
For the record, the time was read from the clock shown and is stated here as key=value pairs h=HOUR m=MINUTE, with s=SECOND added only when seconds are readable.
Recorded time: h=3 m=39 s=33
